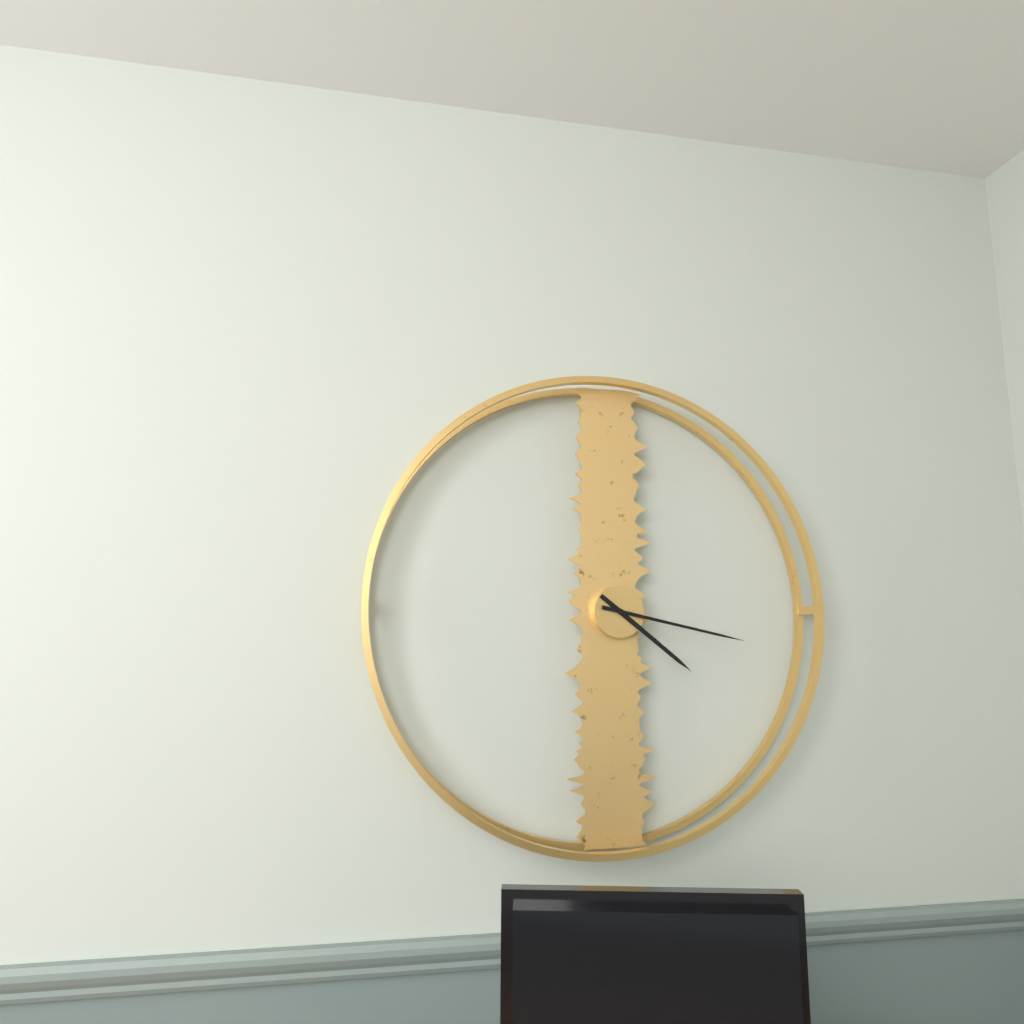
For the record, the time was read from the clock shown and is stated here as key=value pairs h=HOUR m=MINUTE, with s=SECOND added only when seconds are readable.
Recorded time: h=4 m=17
